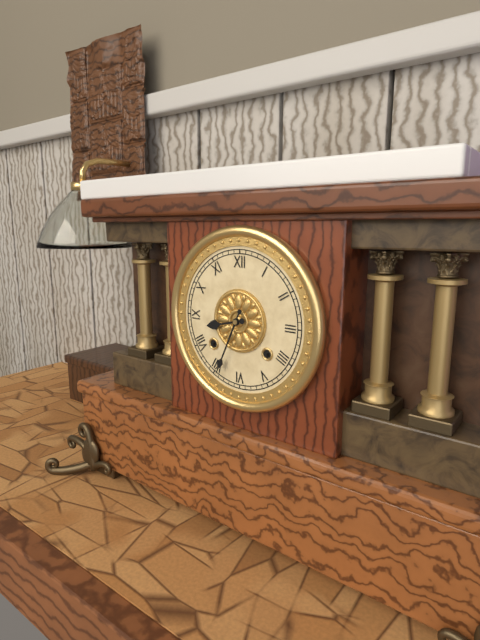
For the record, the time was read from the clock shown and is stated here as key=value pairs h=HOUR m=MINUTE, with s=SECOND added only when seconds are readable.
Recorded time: h=8 m=34
